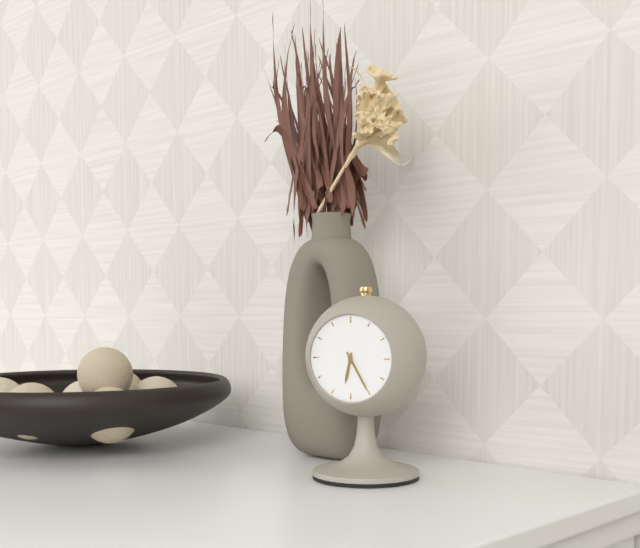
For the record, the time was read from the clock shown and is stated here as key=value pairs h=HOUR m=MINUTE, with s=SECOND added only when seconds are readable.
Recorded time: h=6 m=25
